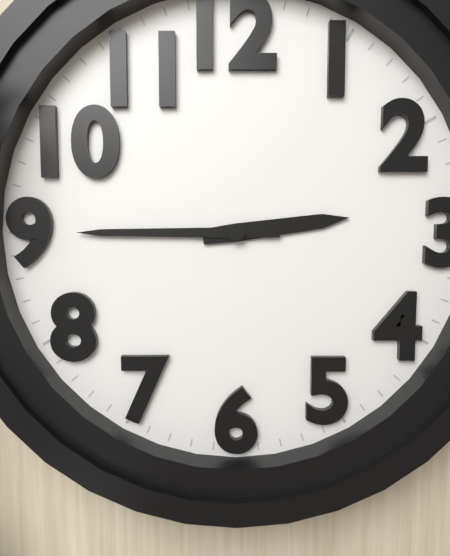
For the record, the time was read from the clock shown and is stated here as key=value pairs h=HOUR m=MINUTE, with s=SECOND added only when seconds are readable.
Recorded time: h=2 m=45
